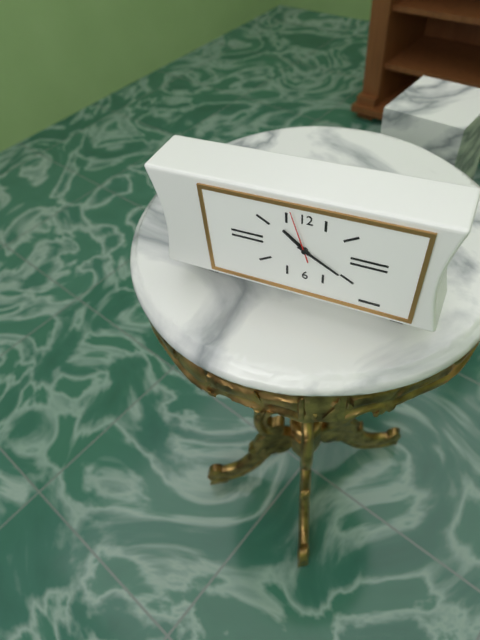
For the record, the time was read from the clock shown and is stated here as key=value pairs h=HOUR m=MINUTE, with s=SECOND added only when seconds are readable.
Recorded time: h=10 m=20 s=57
